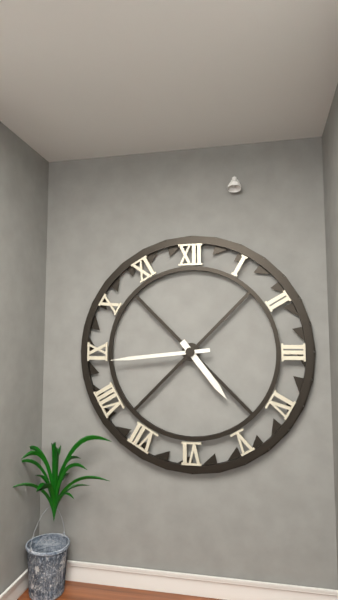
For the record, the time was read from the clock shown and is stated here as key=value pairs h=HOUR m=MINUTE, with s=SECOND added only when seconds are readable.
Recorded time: h=4 m=44
